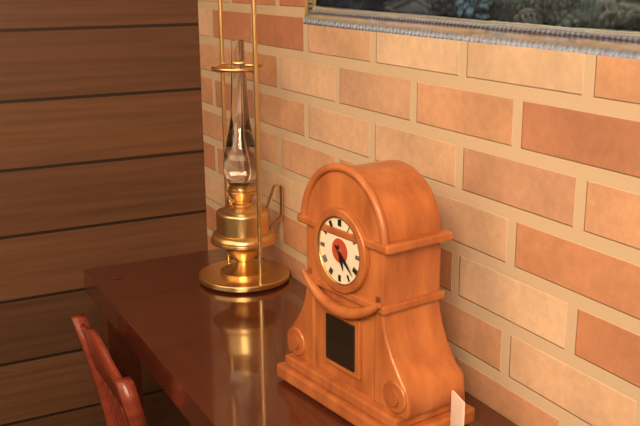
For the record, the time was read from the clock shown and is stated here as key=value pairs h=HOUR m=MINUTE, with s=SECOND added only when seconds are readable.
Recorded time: h=5 m=22
